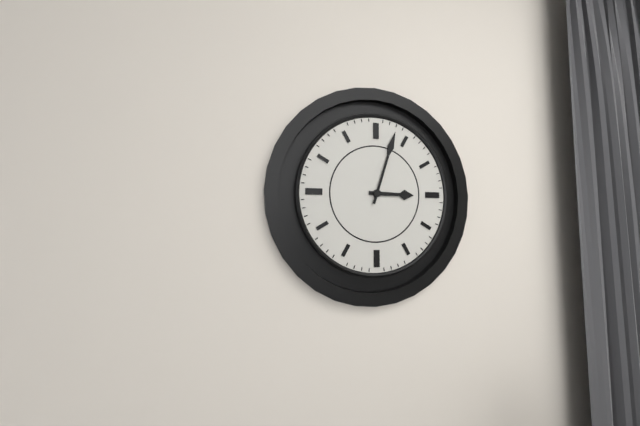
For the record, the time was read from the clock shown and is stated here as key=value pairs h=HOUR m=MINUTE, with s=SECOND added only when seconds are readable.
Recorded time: h=3 m=3
